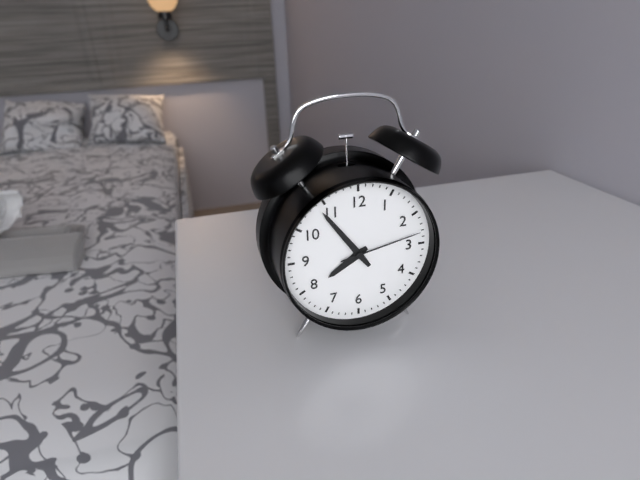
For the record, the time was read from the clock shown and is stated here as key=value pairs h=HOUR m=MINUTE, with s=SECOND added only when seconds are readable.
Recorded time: h=7 m=54 s=13
